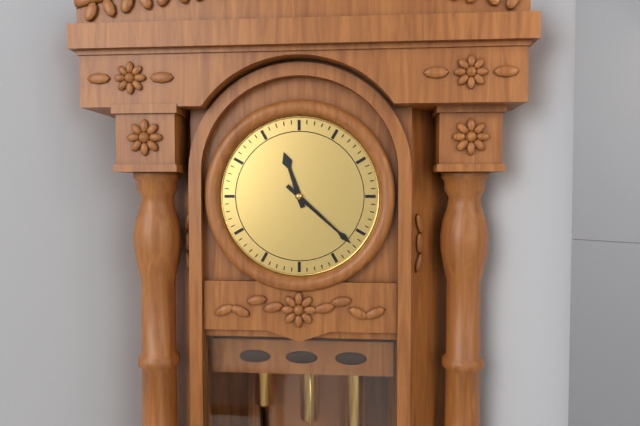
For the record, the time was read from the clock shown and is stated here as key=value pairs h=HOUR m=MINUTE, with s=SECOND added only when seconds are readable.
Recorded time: h=11 m=22
